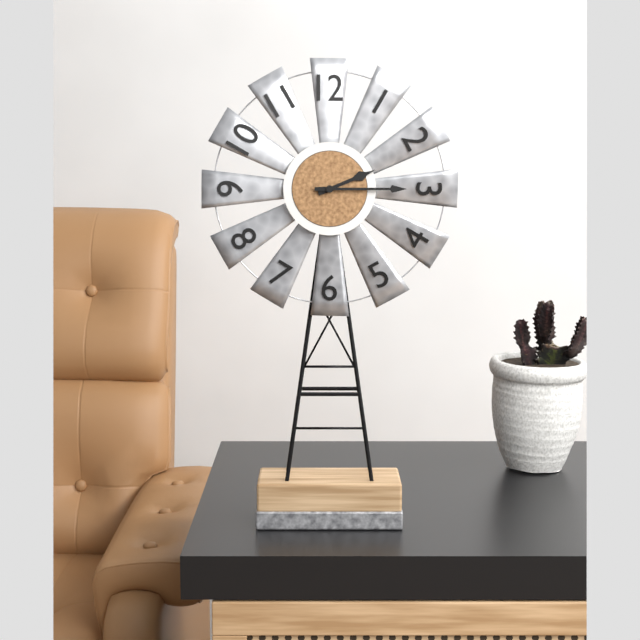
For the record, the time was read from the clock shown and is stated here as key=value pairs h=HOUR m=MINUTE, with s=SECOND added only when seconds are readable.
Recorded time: h=2 m=15
